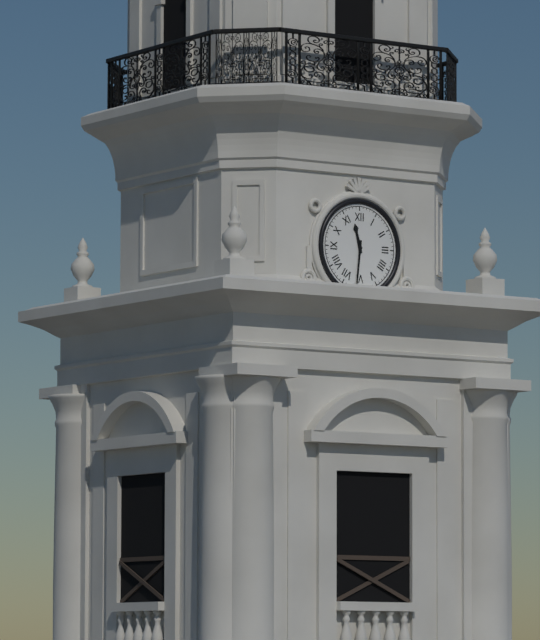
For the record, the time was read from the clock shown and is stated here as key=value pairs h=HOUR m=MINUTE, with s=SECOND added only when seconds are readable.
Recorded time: h=11 m=31
